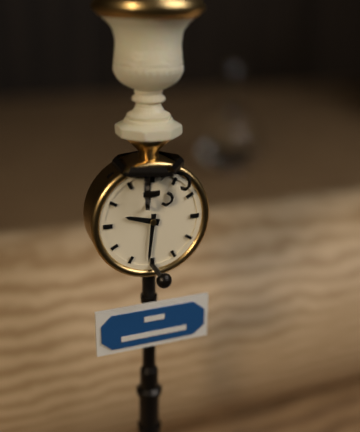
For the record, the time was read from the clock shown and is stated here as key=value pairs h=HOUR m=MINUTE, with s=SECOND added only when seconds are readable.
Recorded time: h=9 m=31
